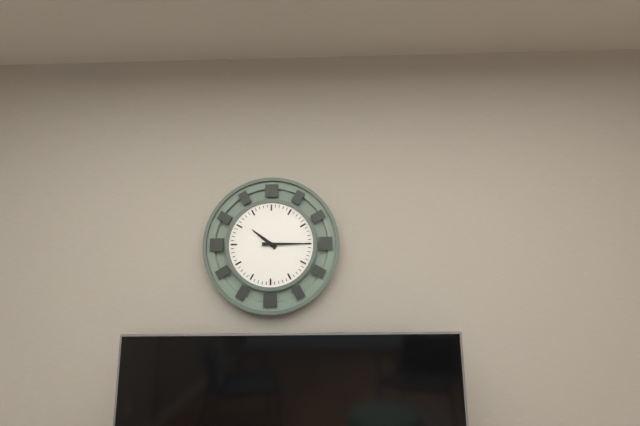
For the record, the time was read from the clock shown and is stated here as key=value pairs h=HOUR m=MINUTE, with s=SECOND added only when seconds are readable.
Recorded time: h=10 m=15
